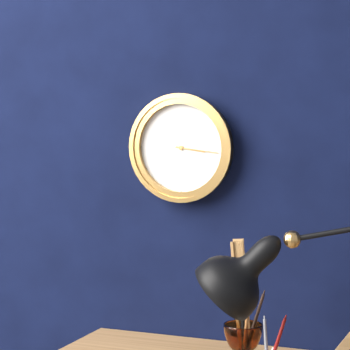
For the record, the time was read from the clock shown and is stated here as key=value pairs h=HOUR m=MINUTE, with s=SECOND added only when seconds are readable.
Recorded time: h=3 m=16
